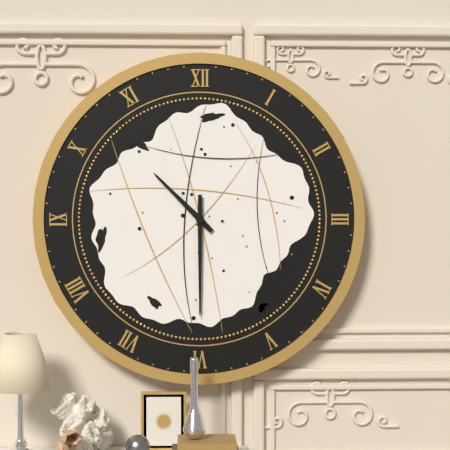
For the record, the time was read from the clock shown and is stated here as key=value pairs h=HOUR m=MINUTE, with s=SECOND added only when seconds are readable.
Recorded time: h=10 m=30
